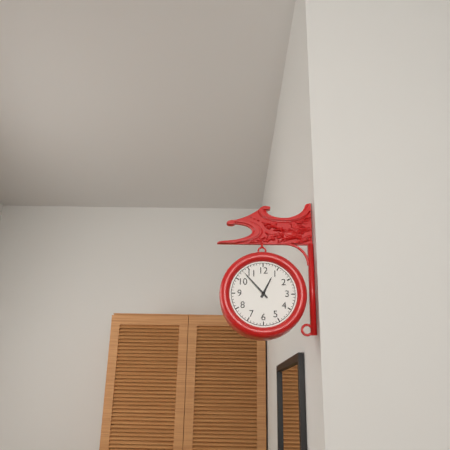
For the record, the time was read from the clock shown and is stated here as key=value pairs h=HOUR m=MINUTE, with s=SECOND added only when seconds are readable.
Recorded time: h=12 m=53
